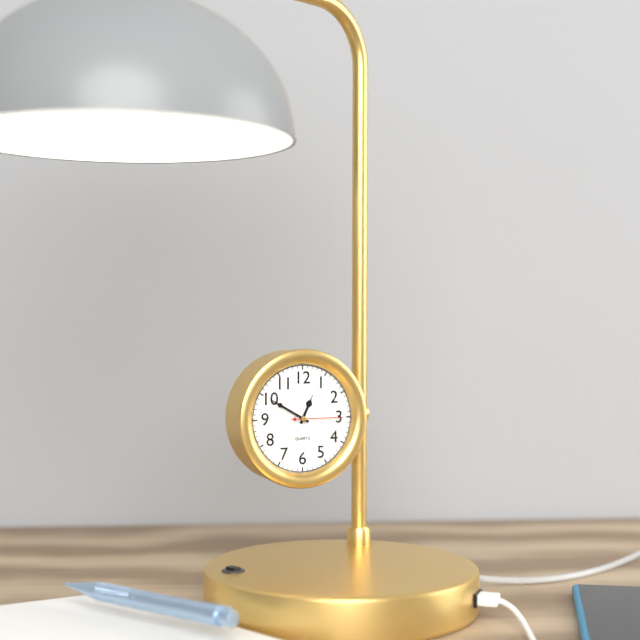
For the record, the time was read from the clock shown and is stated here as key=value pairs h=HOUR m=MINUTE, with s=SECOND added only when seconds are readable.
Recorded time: h=12 m=50
